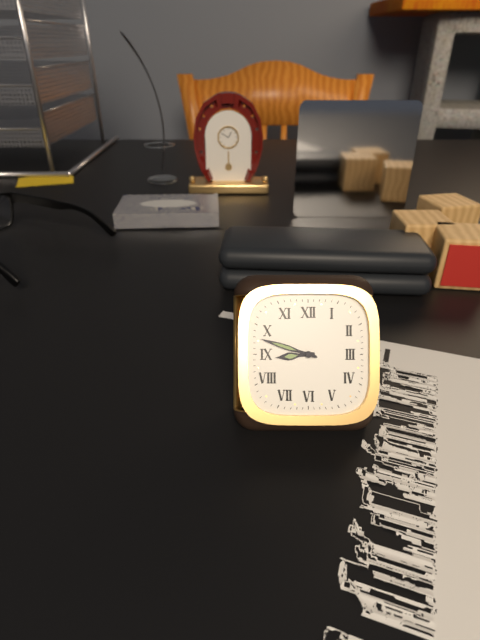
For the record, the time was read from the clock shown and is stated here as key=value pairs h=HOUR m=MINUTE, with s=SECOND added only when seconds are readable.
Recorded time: h=8 m=48
